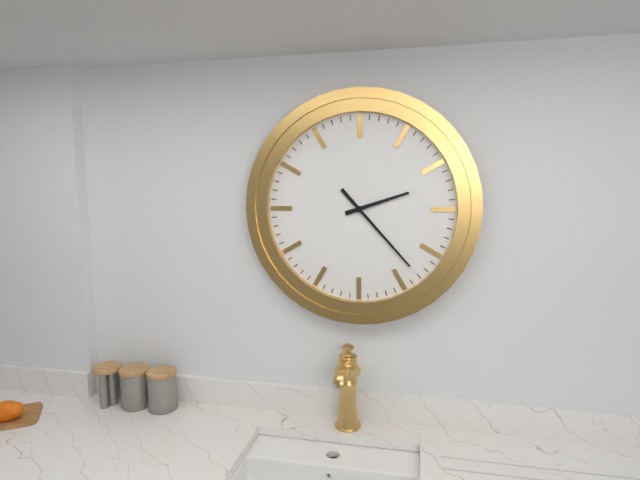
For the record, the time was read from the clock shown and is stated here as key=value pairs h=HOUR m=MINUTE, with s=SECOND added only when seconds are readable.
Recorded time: h=2 m=23
